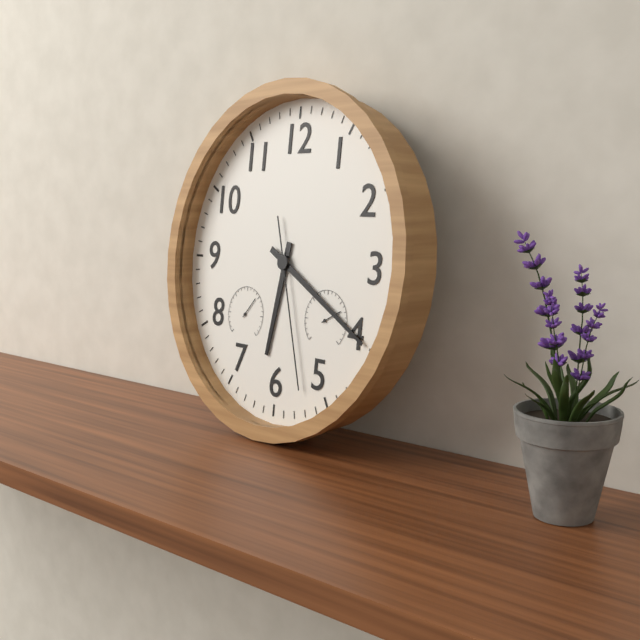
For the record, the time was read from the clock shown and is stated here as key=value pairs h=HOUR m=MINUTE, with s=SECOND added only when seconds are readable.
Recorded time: h=6 m=20 s=27
